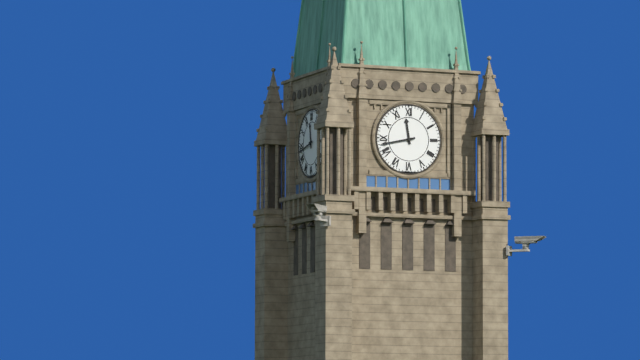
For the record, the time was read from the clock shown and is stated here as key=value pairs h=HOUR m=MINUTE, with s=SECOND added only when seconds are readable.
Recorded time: h=11 m=43
